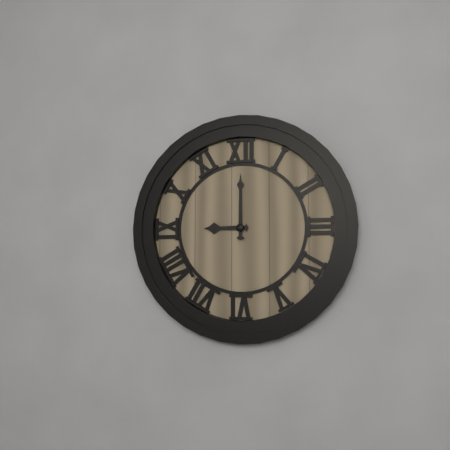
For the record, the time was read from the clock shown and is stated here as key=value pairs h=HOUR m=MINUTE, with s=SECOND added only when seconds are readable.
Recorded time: h=9 m=0
